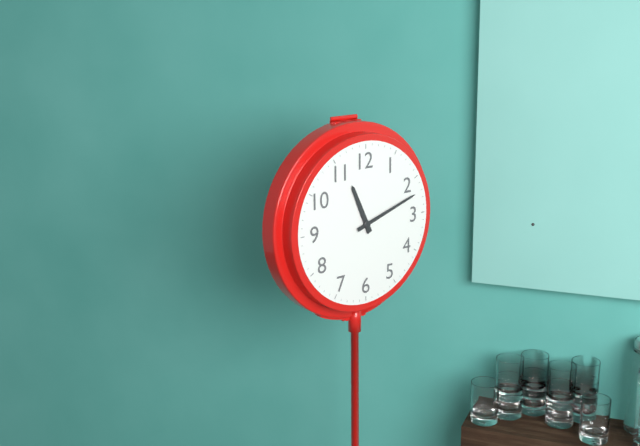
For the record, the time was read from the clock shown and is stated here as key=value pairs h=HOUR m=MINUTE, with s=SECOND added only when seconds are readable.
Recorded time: h=11 m=12
